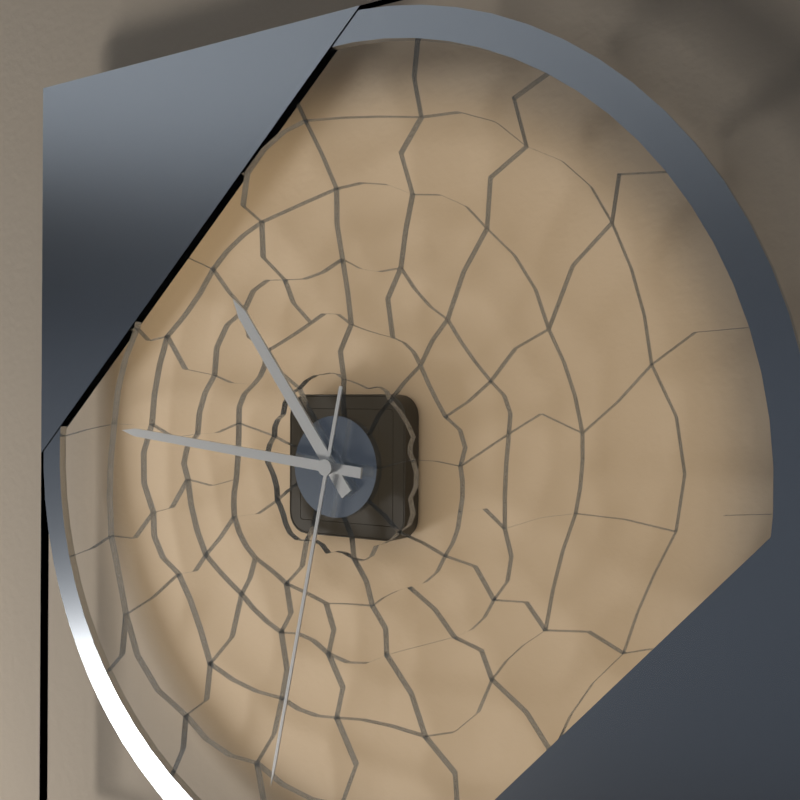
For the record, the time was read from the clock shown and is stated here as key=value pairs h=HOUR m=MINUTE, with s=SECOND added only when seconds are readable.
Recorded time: h=10 m=46 s=32
